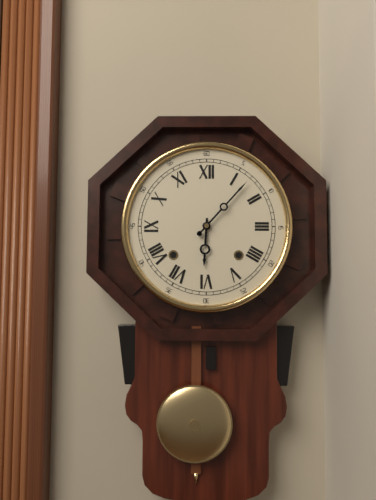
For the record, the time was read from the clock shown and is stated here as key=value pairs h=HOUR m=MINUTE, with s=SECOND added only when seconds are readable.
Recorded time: h=6 m=7
